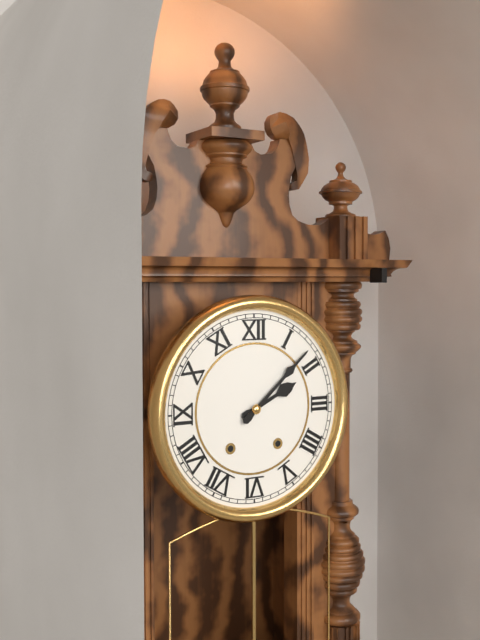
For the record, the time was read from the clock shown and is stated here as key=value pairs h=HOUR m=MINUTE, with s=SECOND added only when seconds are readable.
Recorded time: h=2 m=8
